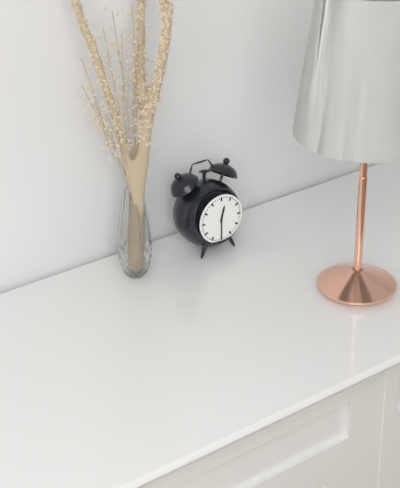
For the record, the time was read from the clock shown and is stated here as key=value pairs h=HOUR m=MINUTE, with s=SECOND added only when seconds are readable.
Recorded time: h=12 m=30
